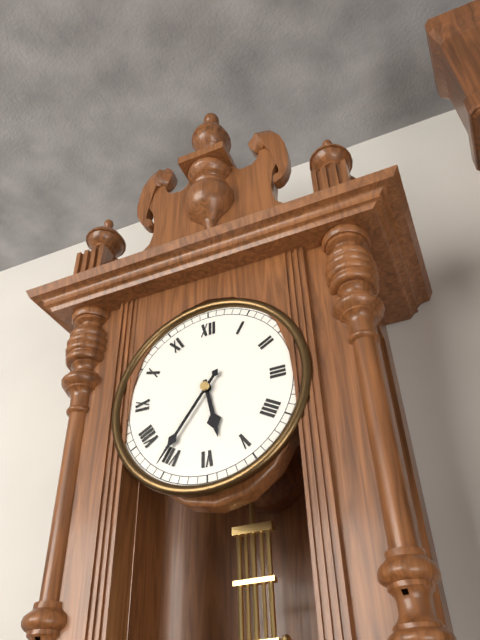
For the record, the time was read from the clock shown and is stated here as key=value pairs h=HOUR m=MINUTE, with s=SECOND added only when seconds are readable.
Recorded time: h=5 m=36
